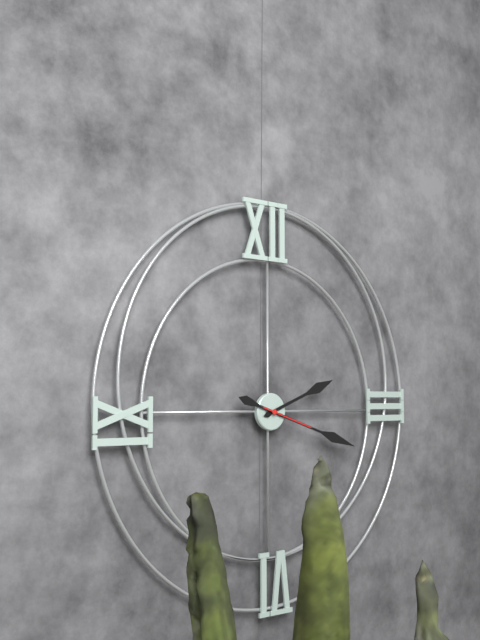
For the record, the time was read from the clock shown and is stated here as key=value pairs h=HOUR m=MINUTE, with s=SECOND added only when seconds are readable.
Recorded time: h=2 m=18 s=18
